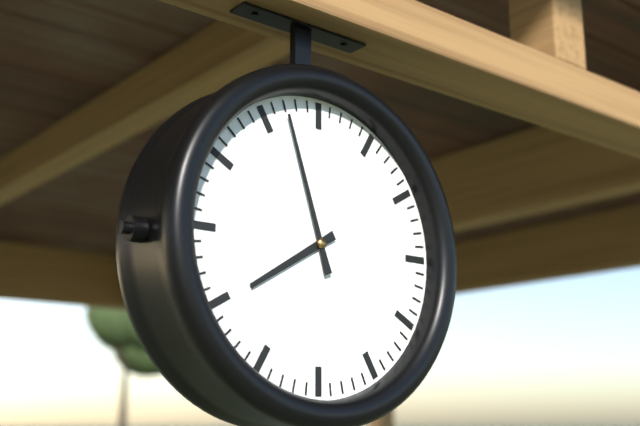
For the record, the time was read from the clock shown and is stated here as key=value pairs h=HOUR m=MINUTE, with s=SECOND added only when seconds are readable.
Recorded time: h=7 m=57
